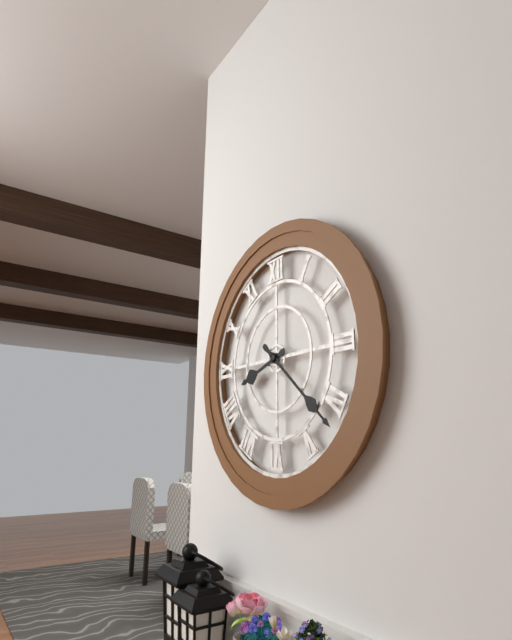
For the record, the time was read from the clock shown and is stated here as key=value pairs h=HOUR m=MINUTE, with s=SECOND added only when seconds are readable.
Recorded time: h=8 m=22
